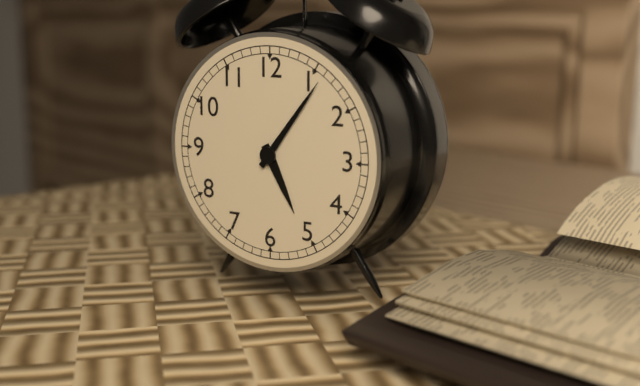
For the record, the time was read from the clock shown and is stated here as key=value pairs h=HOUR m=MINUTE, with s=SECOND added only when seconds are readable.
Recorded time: h=5 m=6
